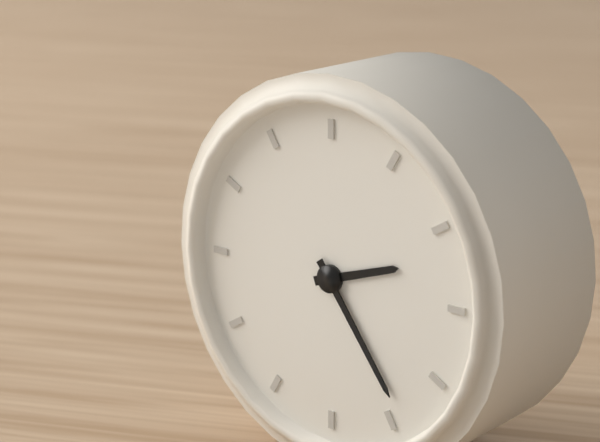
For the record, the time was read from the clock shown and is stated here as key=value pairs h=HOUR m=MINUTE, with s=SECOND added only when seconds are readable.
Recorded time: h=2 m=24
